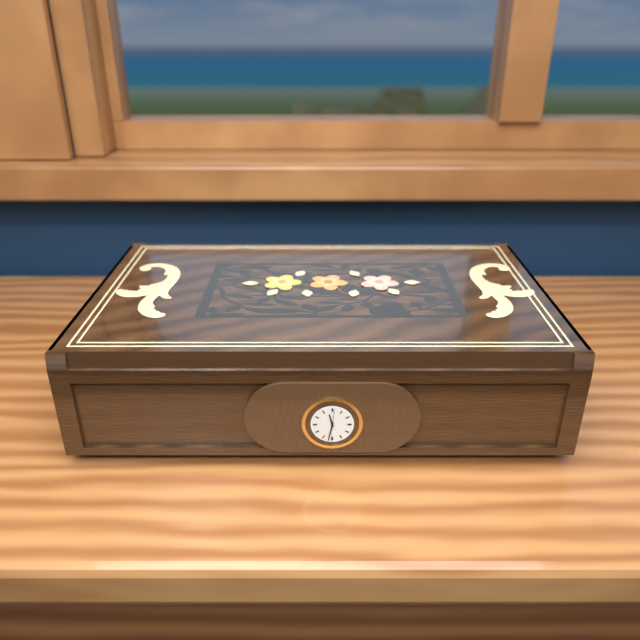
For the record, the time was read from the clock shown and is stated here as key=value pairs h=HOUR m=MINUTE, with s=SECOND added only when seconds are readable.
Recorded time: h=11 m=32 s=1
